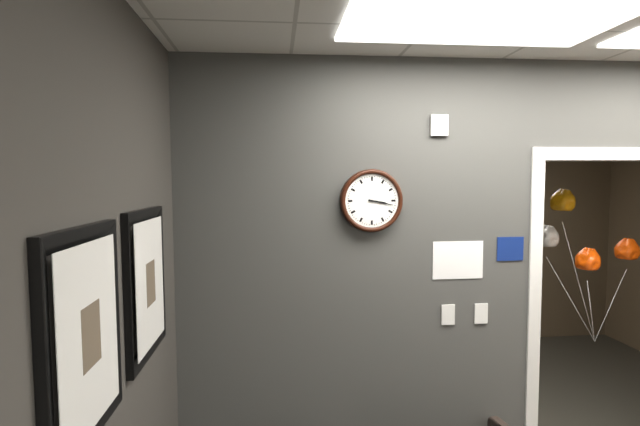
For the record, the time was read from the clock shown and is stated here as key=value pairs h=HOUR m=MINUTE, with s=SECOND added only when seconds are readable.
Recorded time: h=3 m=17
